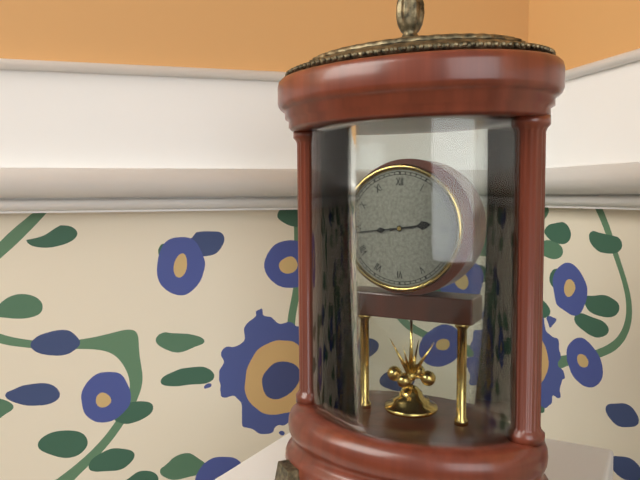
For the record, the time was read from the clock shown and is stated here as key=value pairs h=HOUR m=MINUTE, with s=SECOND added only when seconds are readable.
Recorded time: h=2 m=44
